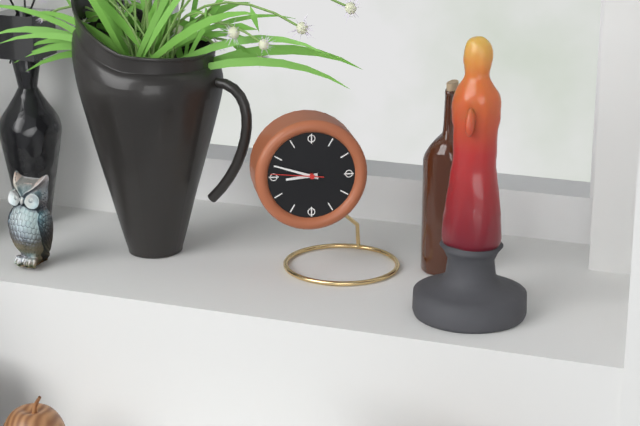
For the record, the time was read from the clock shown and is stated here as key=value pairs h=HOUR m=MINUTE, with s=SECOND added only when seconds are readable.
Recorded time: h=8 m=48
